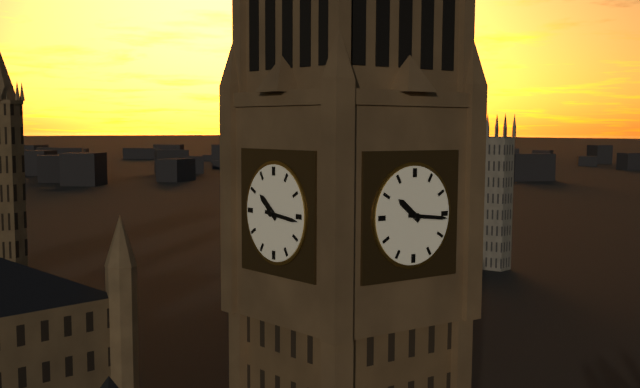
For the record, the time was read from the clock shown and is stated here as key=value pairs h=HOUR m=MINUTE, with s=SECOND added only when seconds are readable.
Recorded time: h=10 m=16
